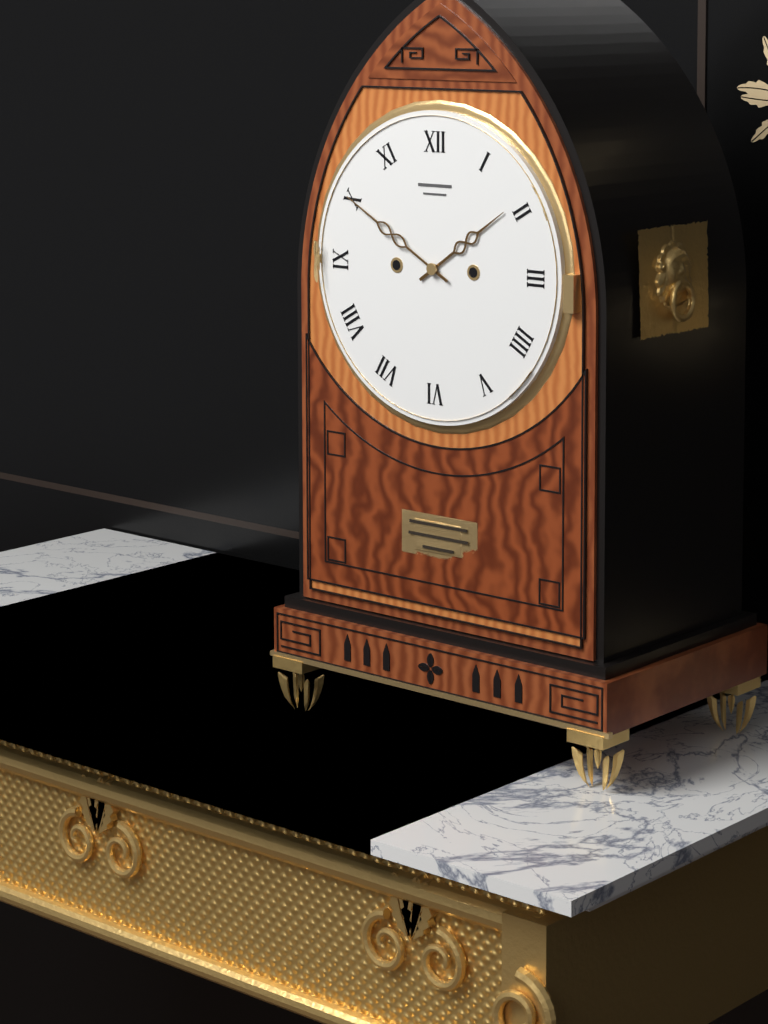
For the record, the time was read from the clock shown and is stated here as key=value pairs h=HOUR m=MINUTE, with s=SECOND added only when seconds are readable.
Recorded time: h=1 m=50
